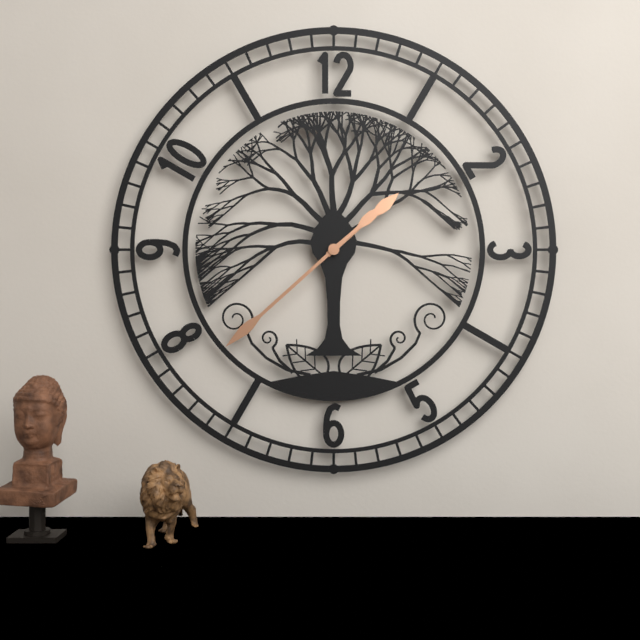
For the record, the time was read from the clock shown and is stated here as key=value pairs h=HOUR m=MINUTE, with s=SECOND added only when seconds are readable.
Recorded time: h=1 m=38
